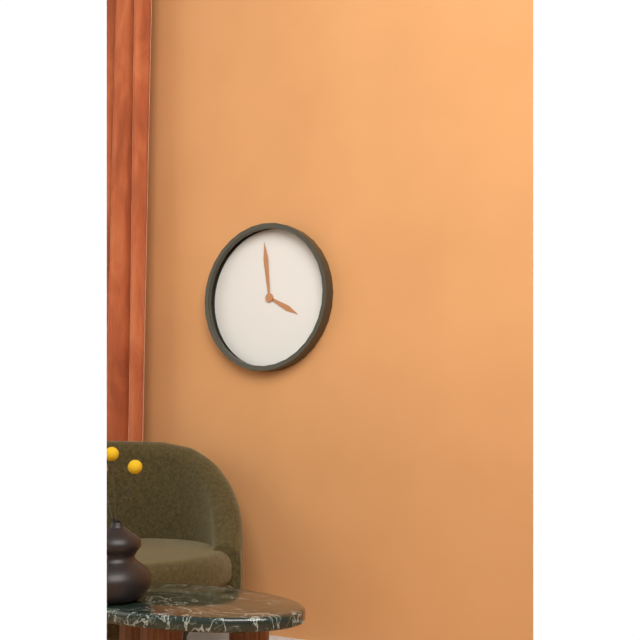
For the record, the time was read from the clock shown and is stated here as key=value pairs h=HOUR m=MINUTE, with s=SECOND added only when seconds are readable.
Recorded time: h=3 m=59
